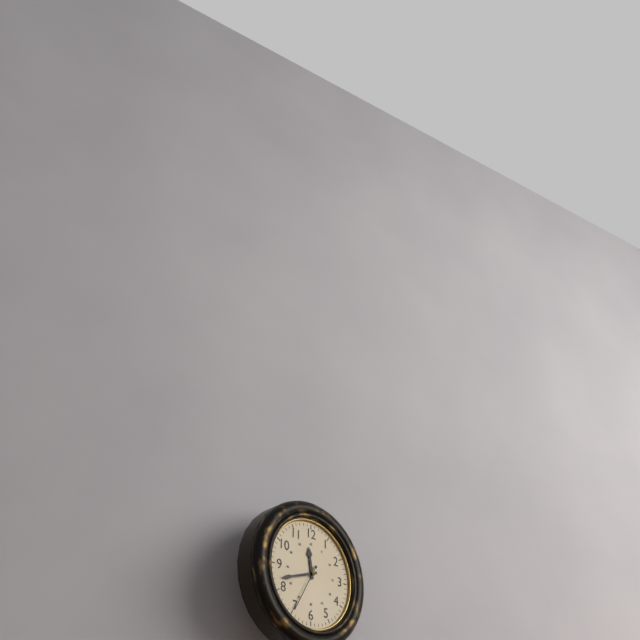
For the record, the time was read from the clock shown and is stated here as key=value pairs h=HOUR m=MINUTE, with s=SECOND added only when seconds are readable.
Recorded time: h=11 m=42
